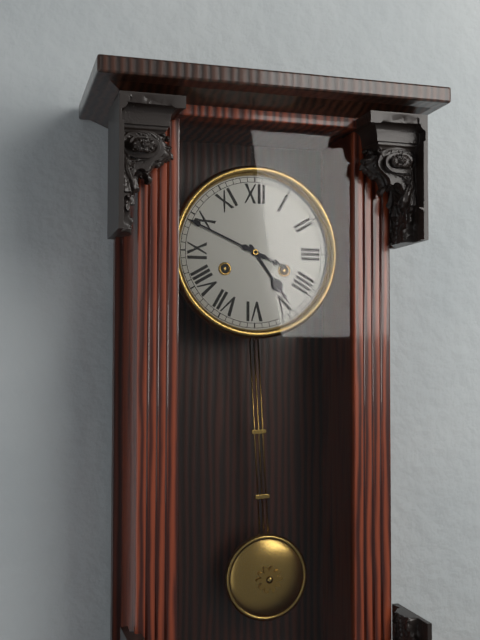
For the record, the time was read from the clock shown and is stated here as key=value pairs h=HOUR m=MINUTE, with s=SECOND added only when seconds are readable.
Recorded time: h=4 m=49
